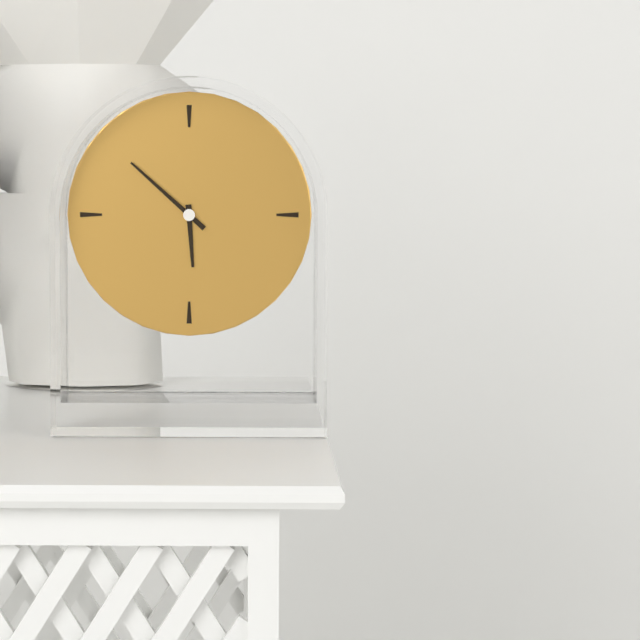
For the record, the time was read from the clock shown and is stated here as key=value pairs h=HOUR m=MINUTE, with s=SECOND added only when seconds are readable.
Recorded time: h=5 m=52
